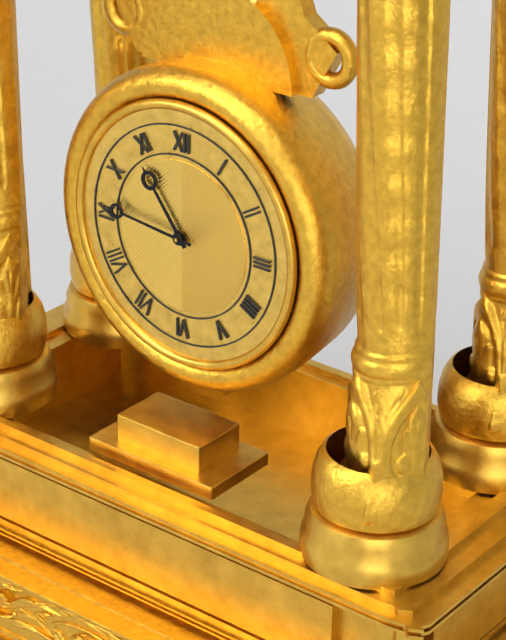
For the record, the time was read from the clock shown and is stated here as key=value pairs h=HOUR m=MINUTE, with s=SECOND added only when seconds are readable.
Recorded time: h=10 m=46
